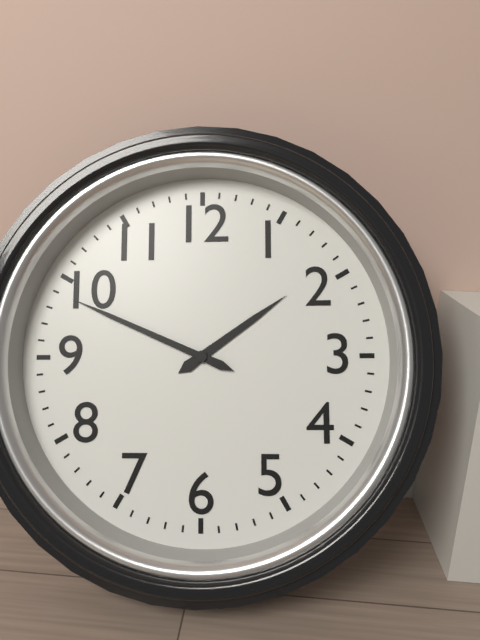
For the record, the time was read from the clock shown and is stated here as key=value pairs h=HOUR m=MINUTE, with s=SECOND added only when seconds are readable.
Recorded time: h=1 m=49
